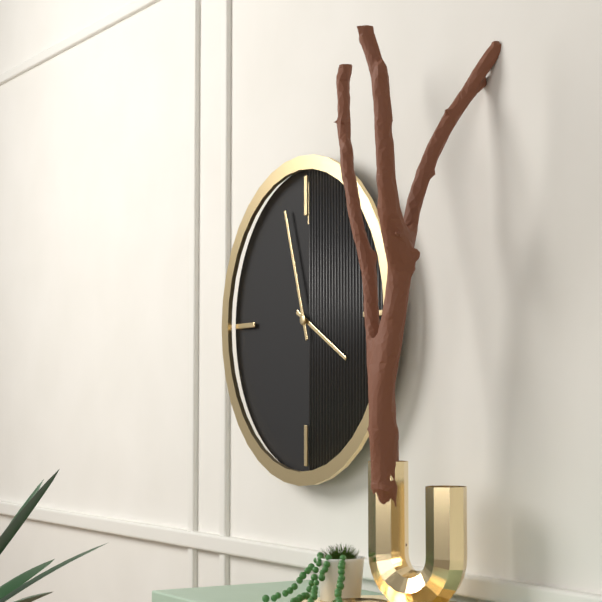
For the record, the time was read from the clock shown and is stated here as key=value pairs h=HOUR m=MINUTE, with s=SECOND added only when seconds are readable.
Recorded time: h=3 m=57
